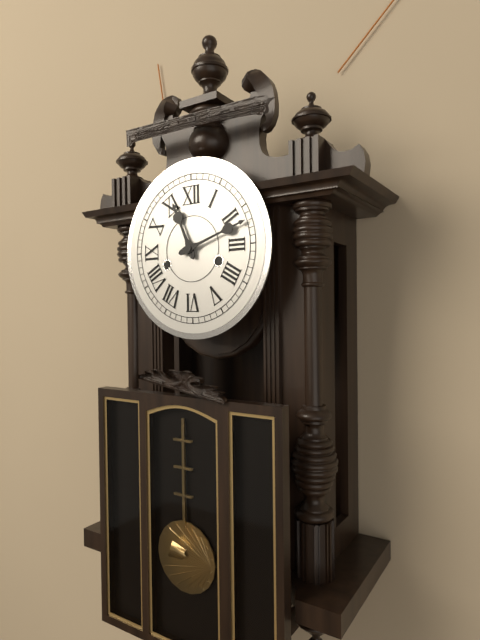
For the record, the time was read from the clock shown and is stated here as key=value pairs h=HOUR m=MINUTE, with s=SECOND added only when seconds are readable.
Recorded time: h=11 m=12
